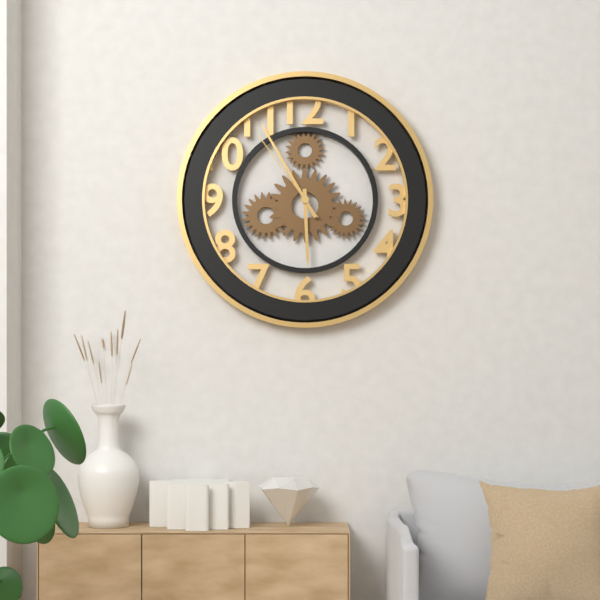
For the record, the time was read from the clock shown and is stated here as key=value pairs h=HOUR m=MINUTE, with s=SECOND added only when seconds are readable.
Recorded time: h=5 m=55 s=54
